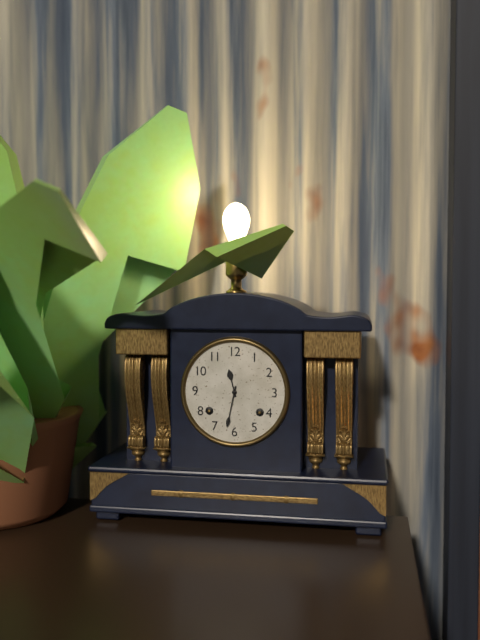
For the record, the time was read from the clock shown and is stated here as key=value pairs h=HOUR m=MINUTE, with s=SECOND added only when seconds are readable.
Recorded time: h=11 m=32
